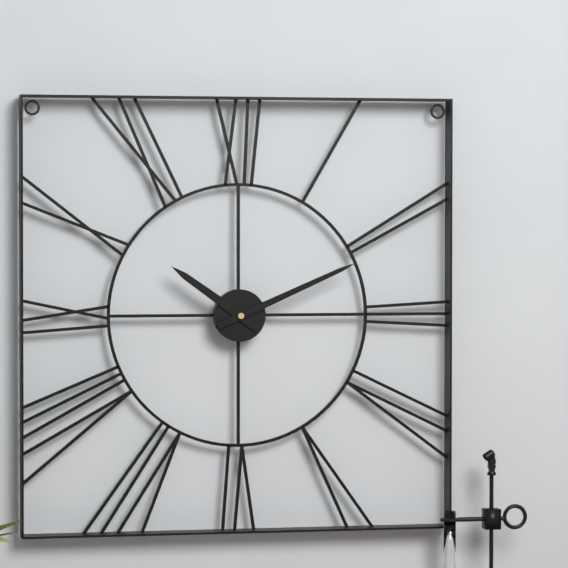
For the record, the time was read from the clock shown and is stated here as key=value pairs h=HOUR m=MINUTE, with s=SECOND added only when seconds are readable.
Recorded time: h=10 m=11
